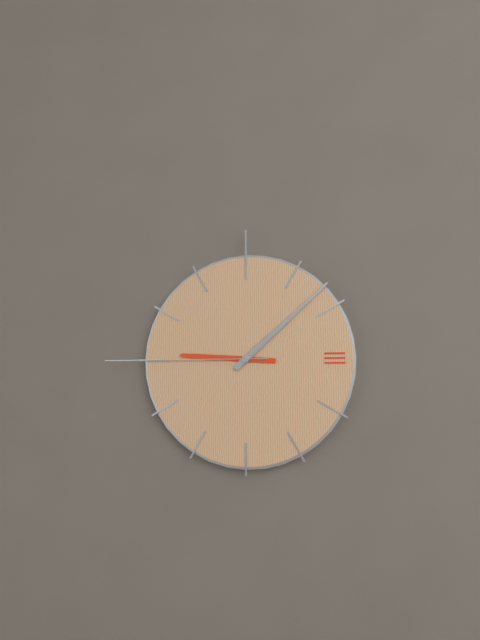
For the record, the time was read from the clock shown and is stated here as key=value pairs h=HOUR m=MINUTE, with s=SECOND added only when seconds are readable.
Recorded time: h=9 m=8 s=45
